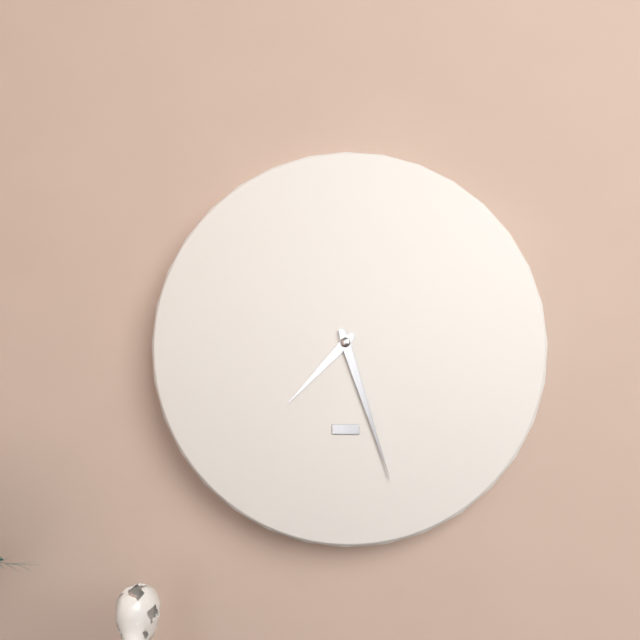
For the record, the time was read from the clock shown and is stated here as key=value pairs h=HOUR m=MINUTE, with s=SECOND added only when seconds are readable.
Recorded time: h=7 m=27
